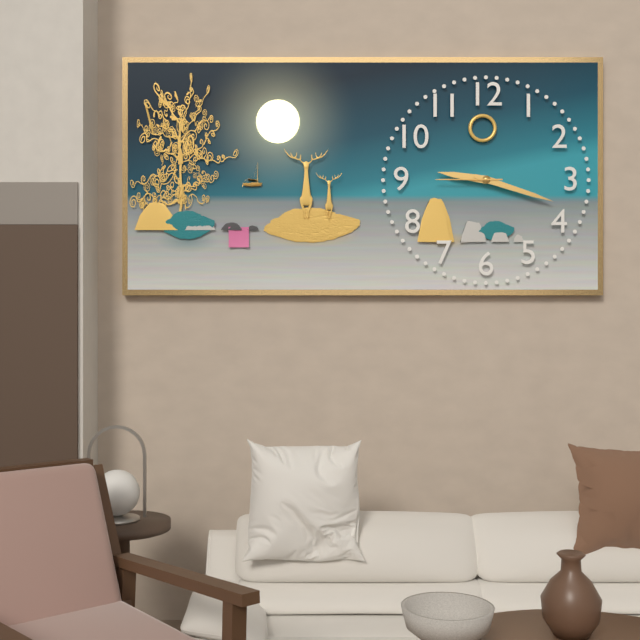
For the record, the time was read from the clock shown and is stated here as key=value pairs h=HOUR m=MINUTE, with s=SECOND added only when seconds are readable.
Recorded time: h=9 m=18 s=45
